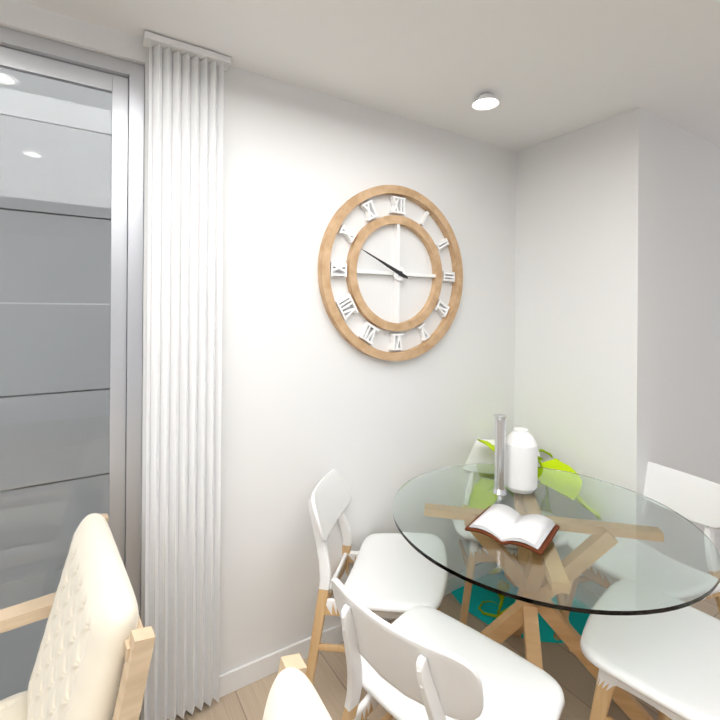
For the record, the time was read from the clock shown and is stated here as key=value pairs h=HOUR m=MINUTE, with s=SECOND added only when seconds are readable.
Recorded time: h=9 m=49
